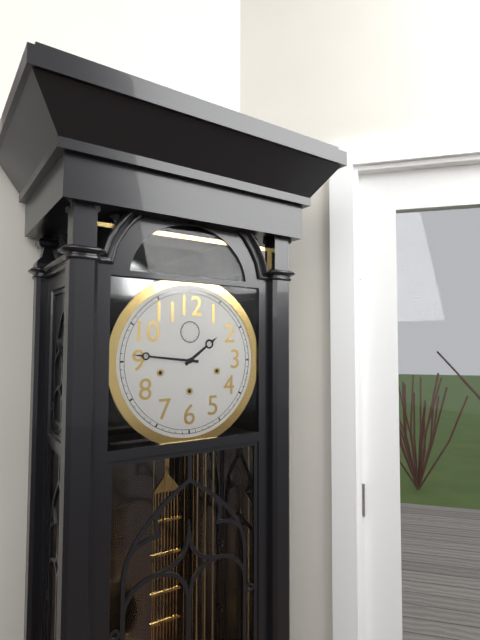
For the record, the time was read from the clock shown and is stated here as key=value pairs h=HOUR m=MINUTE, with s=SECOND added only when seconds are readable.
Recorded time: h=1 m=46
